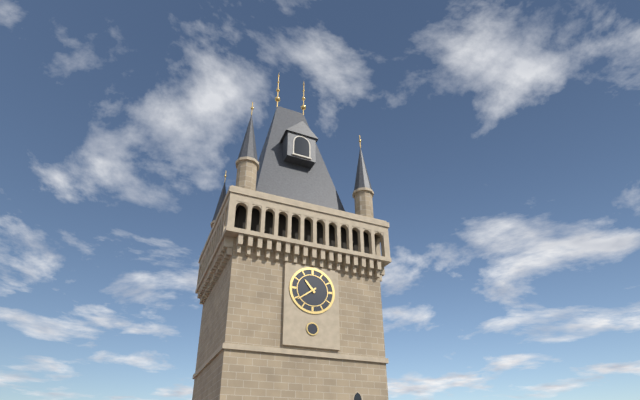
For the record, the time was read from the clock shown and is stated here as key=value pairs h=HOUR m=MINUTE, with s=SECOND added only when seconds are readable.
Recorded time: h=10 m=39
